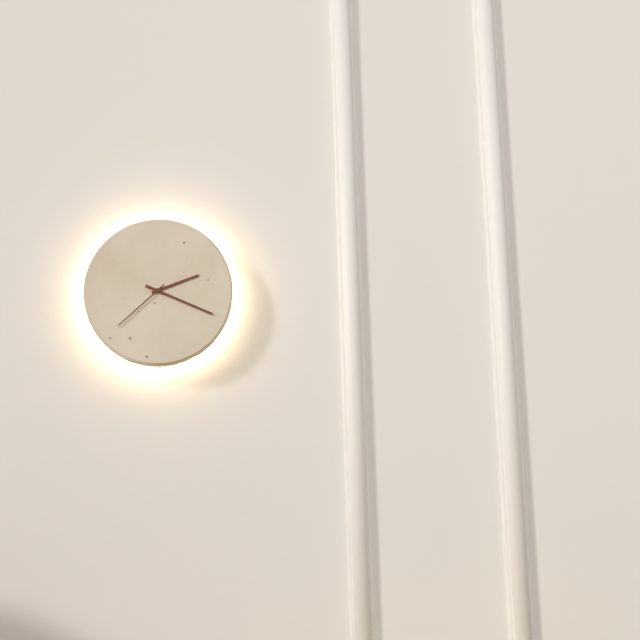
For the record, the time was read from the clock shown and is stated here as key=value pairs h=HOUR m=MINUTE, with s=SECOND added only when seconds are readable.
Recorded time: h=2 m=19 s=38
